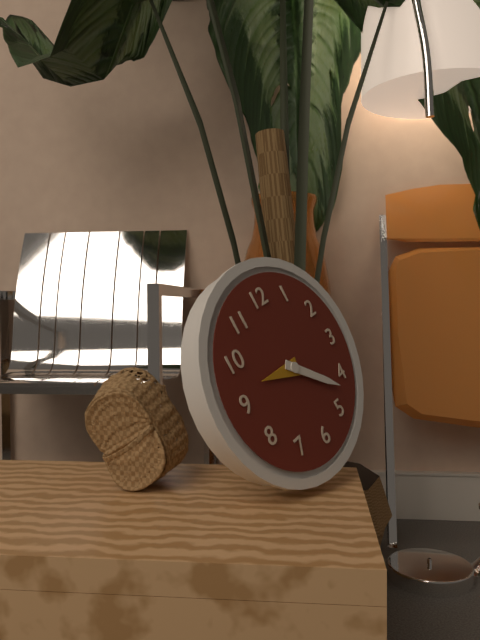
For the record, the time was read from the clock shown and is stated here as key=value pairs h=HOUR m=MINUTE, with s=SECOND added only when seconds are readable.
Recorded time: h=9 m=22
